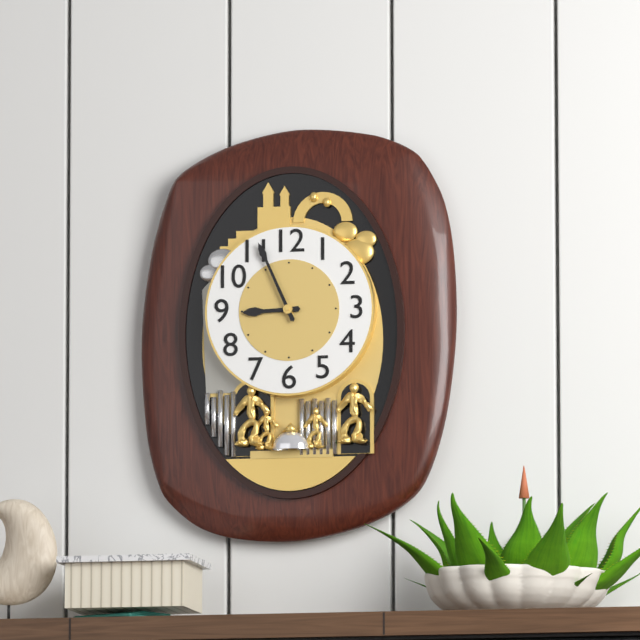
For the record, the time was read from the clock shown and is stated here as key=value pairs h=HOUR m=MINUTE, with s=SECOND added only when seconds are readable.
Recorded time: h=8 m=56
